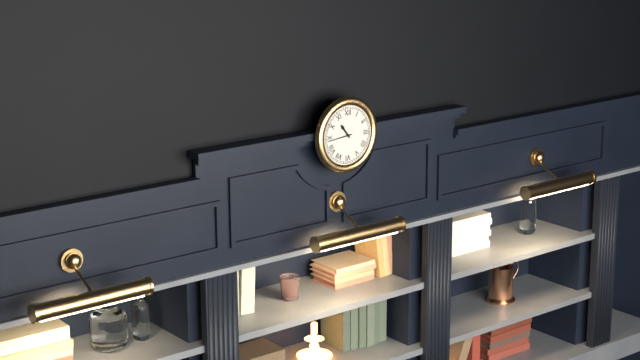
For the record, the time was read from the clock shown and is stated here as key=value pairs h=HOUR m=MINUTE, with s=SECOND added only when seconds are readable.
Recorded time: h=10 m=44
